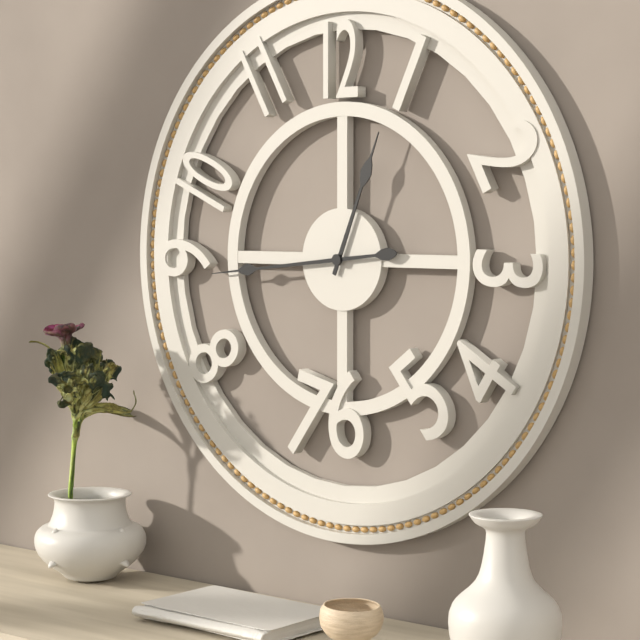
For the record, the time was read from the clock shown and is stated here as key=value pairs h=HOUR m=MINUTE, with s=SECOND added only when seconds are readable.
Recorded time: h=12 m=44
